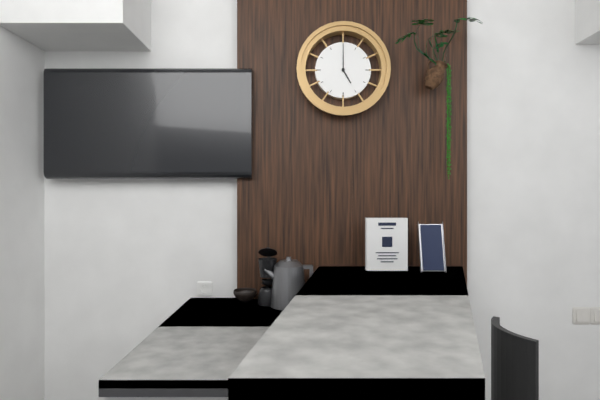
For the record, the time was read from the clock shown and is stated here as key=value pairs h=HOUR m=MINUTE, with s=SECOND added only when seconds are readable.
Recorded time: h=5 m=0
